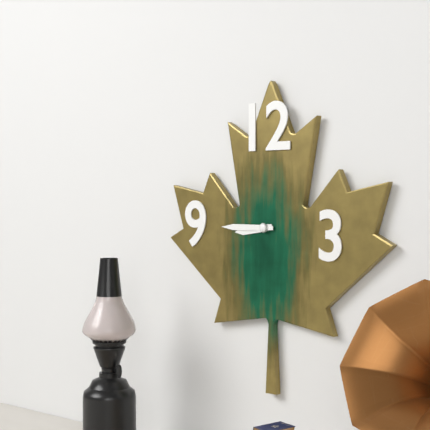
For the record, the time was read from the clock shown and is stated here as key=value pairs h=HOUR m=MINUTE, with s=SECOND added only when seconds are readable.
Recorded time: h=8 m=45
